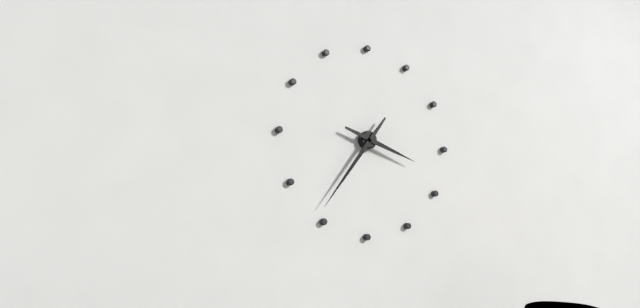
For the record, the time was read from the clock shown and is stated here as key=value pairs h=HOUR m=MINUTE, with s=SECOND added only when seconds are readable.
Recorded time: h=3 m=36
